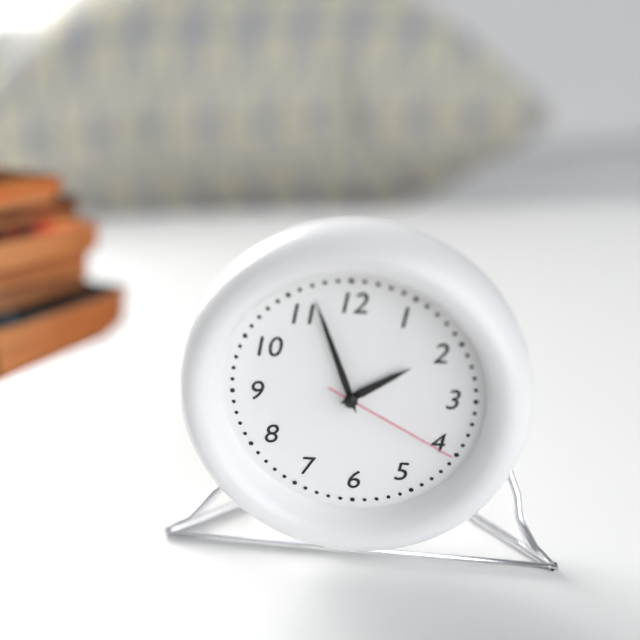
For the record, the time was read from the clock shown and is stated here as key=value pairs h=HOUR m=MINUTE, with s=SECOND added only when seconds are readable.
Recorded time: h=1 m=57 s=20
